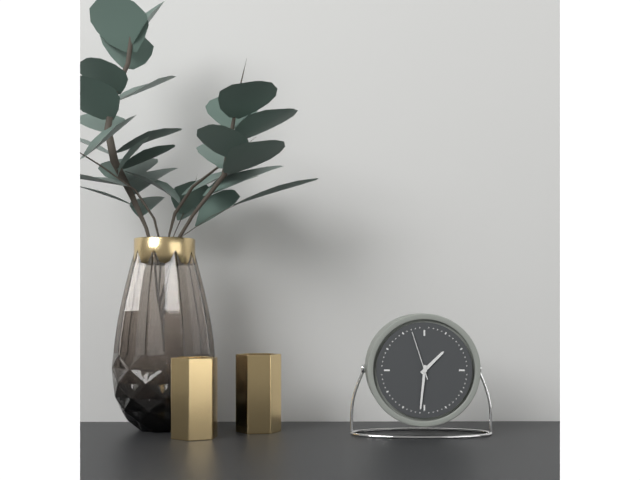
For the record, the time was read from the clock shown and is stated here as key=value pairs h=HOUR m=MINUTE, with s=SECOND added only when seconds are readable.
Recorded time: h=1 m=31 s=57
